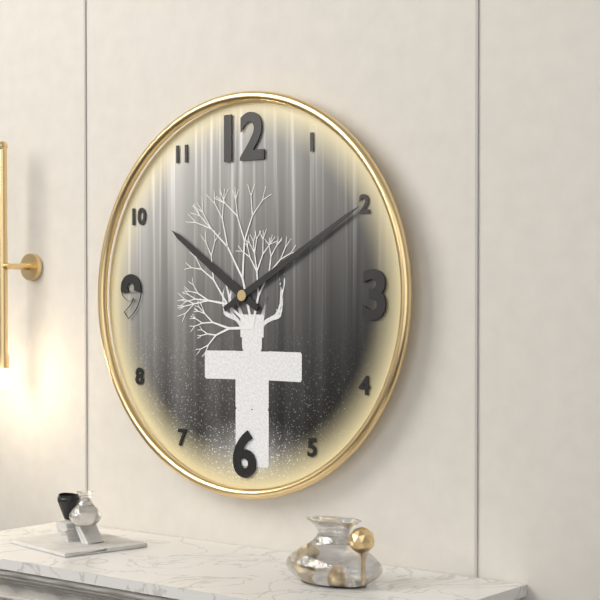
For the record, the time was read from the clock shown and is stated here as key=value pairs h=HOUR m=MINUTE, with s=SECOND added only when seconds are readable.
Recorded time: h=10 m=10
